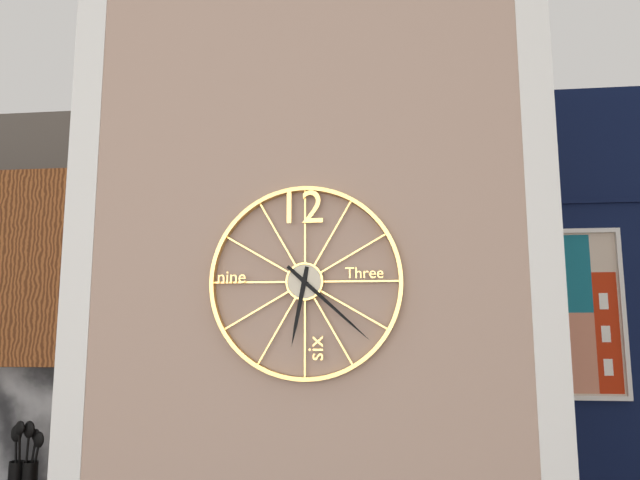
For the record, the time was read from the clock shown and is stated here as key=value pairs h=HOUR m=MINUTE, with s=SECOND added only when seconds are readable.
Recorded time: h=6 m=22
